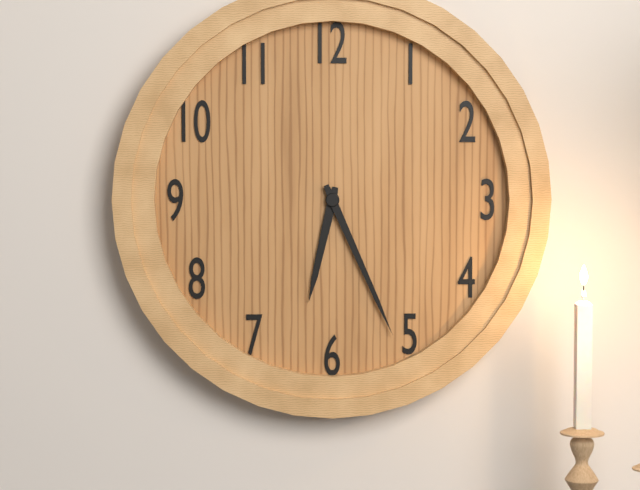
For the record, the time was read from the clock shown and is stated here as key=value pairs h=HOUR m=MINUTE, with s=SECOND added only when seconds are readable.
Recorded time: h=6 m=26
